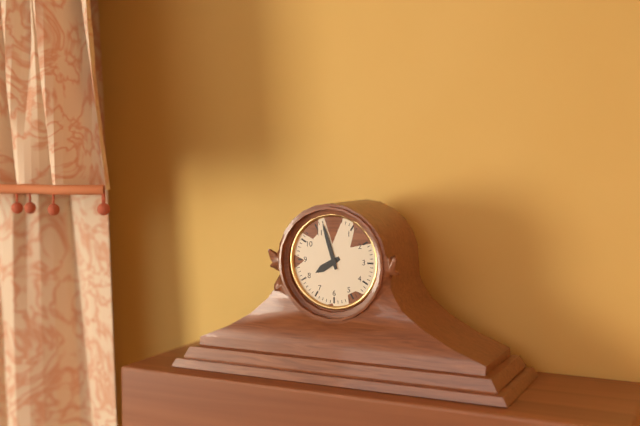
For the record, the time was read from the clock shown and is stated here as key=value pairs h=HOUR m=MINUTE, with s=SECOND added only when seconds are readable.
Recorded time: h=7 m=57
